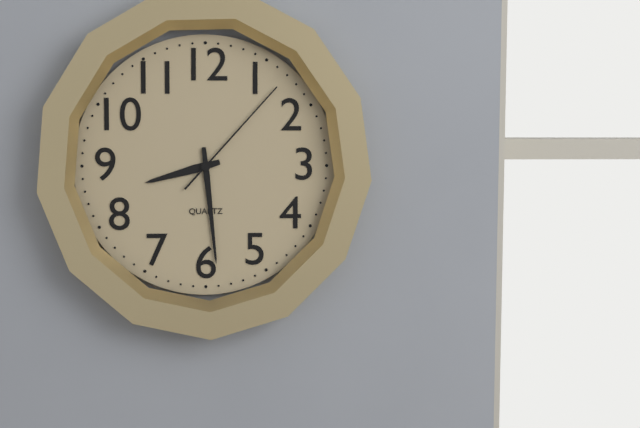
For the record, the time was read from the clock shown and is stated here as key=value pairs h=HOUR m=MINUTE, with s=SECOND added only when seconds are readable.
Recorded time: h=8 m=29 s=7
